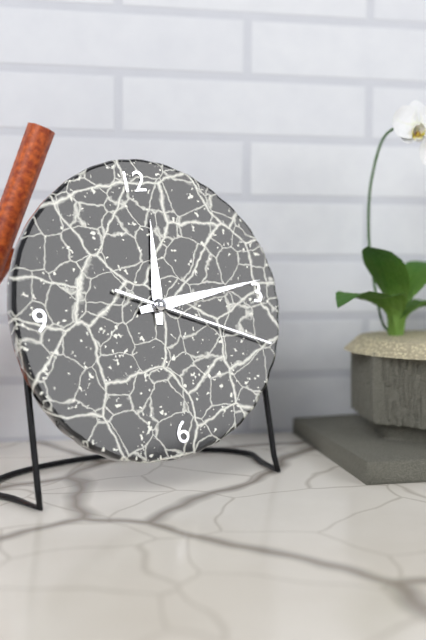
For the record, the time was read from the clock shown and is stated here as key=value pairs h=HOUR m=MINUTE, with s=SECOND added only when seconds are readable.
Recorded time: h=12 m=14 s=19
